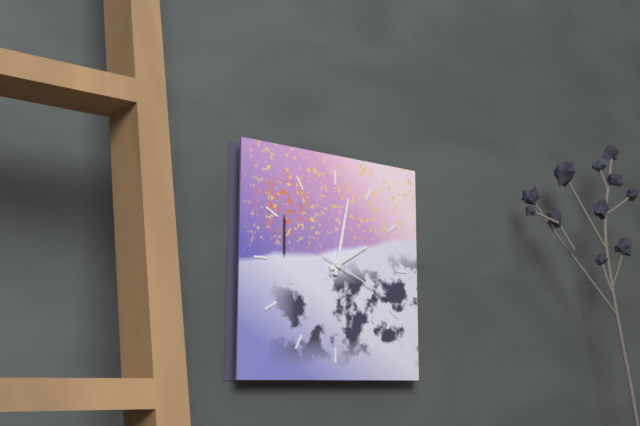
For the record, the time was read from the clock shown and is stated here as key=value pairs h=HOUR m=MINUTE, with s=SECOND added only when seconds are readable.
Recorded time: h=2 m=2 s=19
